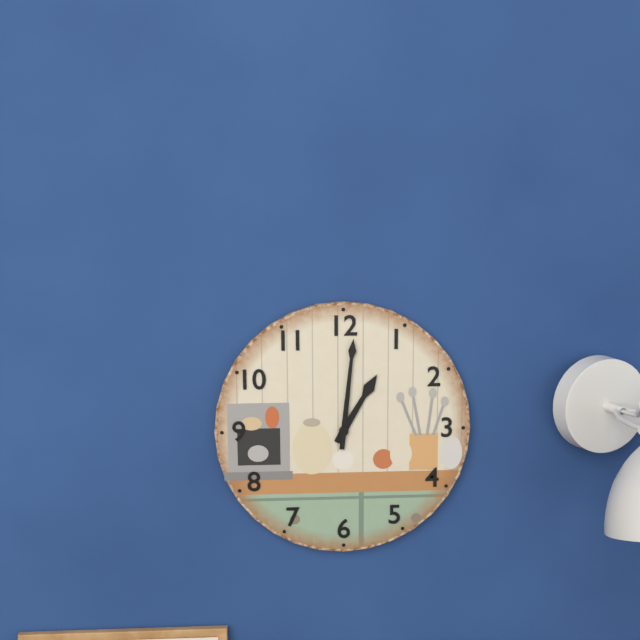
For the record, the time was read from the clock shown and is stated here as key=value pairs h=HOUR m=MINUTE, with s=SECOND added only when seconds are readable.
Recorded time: h=1 m=1
